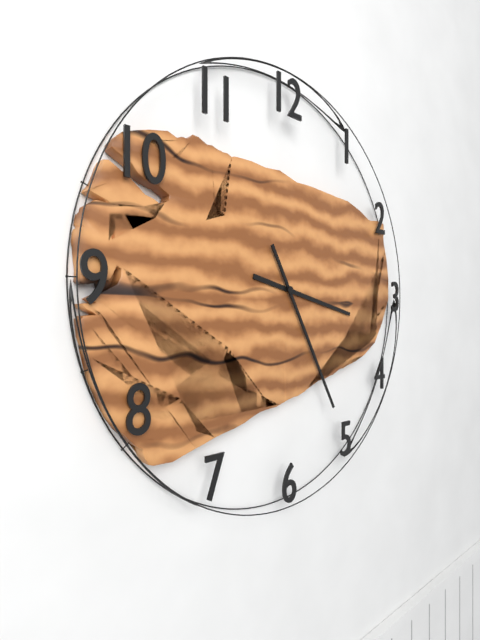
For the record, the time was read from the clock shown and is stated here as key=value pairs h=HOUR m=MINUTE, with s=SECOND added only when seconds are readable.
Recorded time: h=3 m=25
